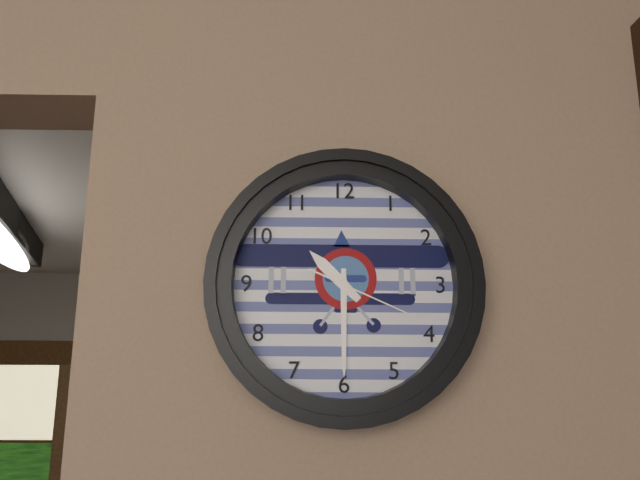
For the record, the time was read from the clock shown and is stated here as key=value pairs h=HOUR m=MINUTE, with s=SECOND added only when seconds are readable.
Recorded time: h=10 m=30 s=19
